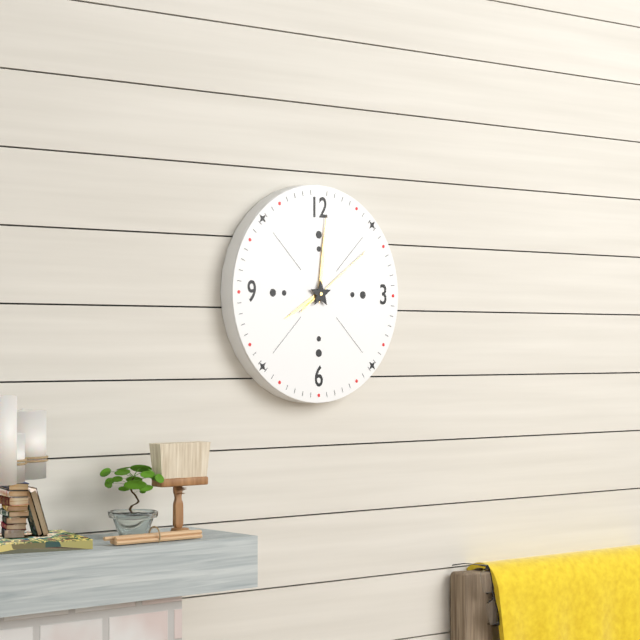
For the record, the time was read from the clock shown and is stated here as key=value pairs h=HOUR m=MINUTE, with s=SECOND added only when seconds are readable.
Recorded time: h=8 m=1 s=9
